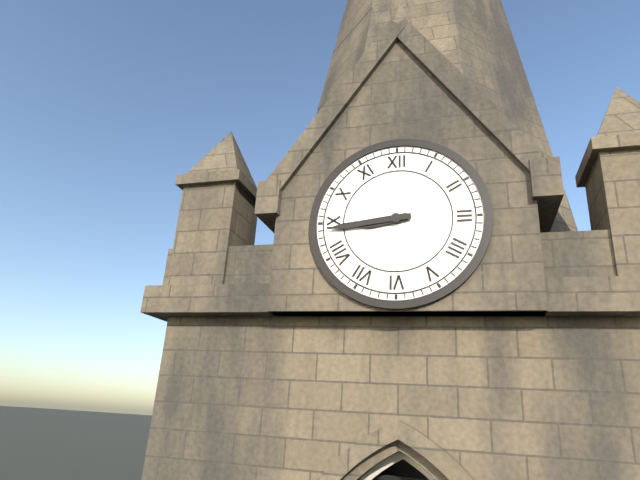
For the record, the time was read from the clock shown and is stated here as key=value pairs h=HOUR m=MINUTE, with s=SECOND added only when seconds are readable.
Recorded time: h=8 m=44
